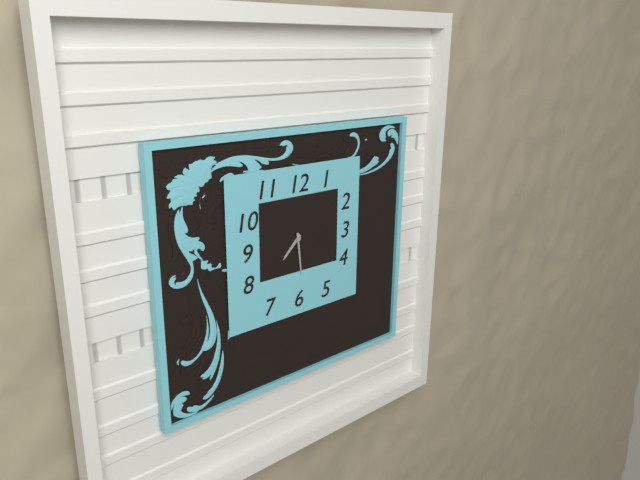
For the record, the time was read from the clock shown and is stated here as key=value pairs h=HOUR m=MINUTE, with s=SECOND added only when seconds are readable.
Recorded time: h=7 m=29
